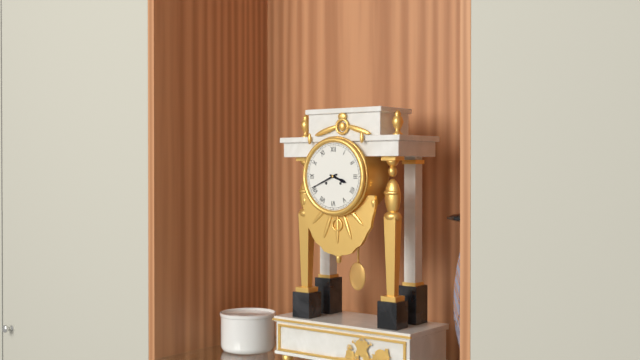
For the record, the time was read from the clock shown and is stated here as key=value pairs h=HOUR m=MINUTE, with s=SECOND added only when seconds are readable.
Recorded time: h=3 m=41
